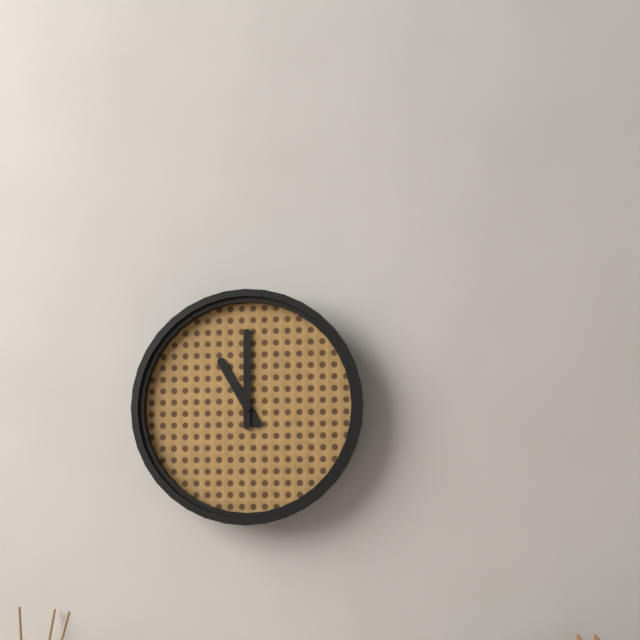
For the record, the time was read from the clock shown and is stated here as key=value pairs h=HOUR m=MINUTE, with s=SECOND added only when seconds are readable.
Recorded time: h=11 m=0
